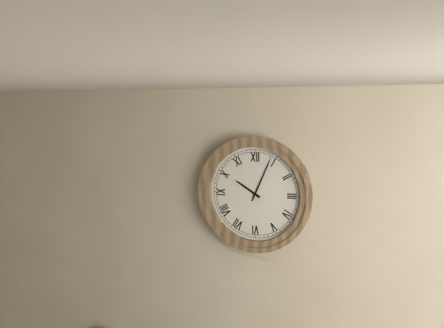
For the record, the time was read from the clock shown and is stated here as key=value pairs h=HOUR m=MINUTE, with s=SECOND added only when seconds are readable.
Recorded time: h=10 m=4
